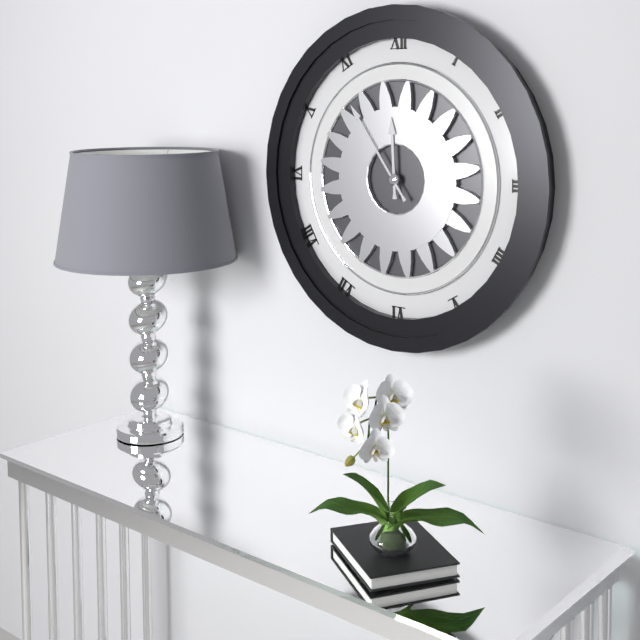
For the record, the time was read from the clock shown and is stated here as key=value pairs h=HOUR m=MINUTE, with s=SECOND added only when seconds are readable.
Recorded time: h=11 m=54
